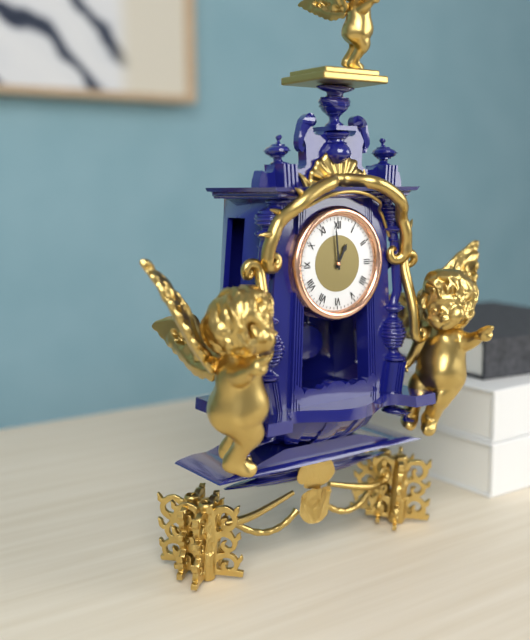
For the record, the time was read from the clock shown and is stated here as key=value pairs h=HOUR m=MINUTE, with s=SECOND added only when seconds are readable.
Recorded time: h=12 m=59
